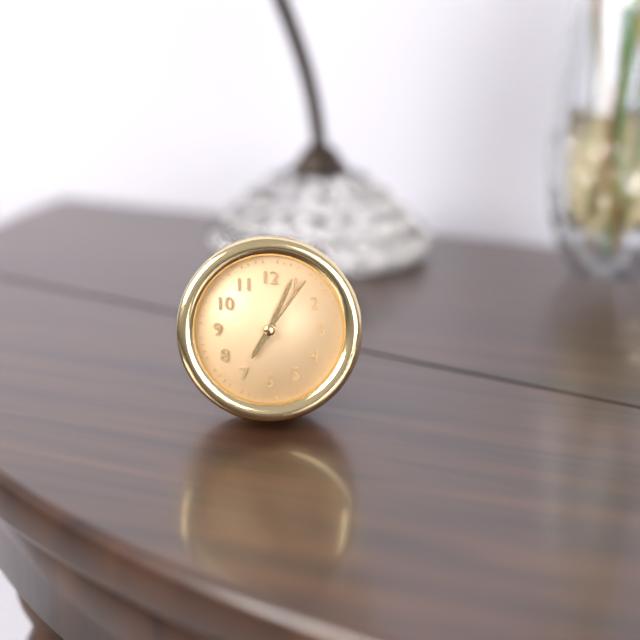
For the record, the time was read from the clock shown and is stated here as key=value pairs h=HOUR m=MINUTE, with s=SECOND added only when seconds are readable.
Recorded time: h=7 m=4 s=6
